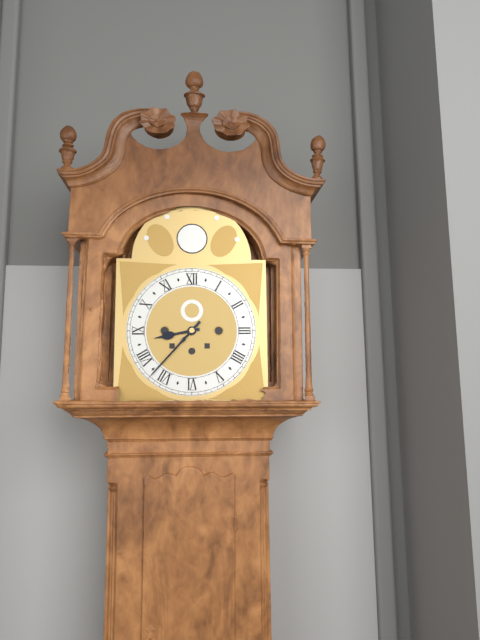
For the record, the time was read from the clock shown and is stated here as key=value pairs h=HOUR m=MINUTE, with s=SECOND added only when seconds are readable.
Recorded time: h=8 m=37
